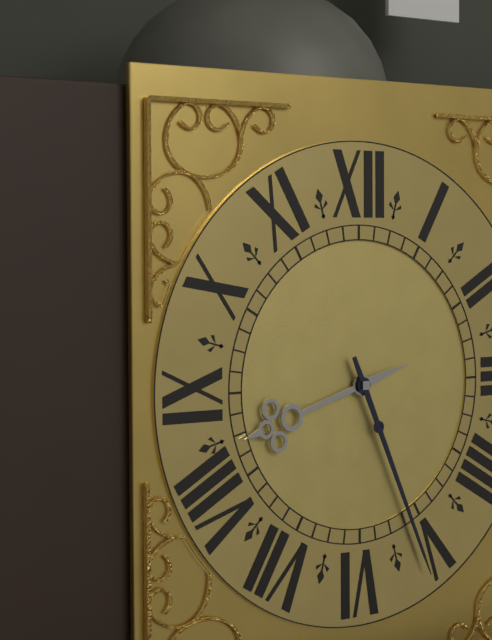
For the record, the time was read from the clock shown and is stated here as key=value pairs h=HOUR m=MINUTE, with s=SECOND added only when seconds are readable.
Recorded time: h=8 m=26
